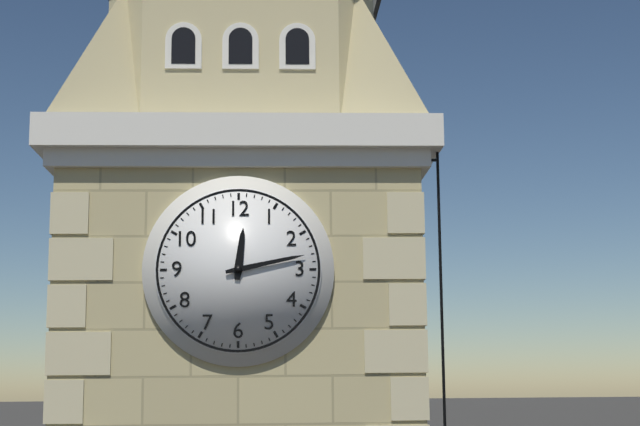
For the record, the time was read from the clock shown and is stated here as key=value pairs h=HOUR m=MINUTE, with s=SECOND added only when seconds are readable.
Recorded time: h=12 m=13
